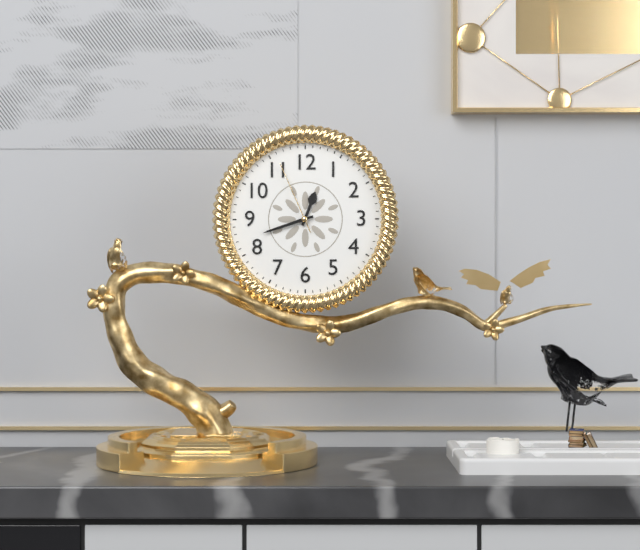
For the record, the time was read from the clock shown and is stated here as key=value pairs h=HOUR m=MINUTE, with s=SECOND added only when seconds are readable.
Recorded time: h=12 m=42 s=56
